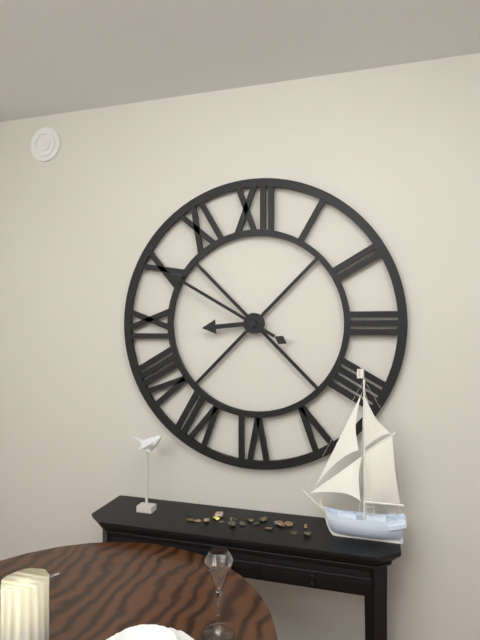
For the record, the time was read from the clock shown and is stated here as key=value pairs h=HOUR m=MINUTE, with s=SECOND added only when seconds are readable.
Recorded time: h=8 m=50
